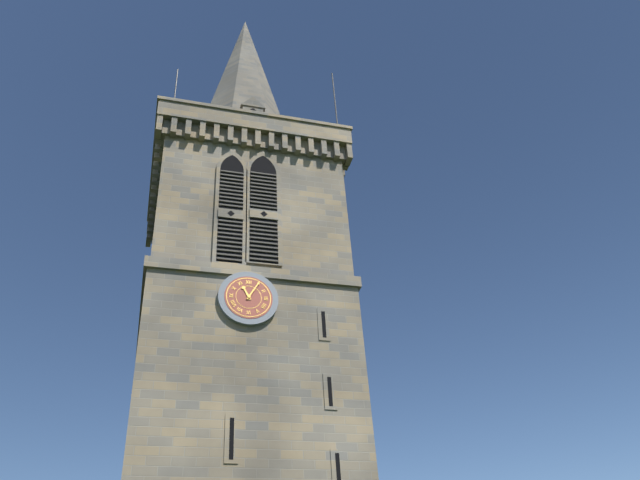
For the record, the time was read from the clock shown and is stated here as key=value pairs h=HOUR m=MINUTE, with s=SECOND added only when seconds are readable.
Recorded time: h=11 m=5
